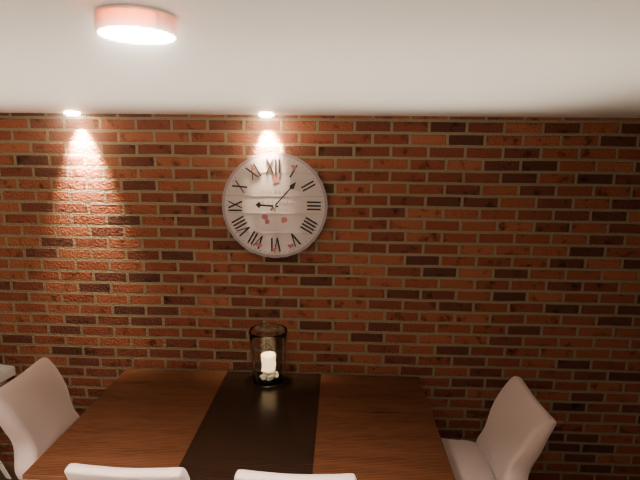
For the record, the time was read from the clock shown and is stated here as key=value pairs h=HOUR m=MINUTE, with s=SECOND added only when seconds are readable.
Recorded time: h=9 m=7
